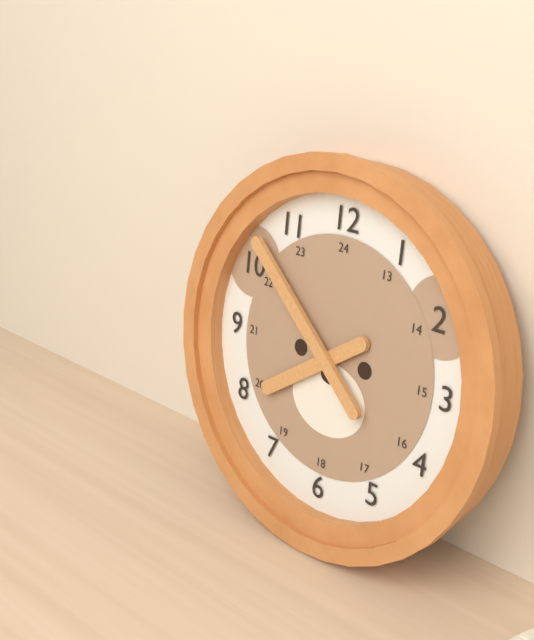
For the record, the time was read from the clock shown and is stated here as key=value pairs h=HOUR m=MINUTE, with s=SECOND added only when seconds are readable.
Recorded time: h=7 m=52
